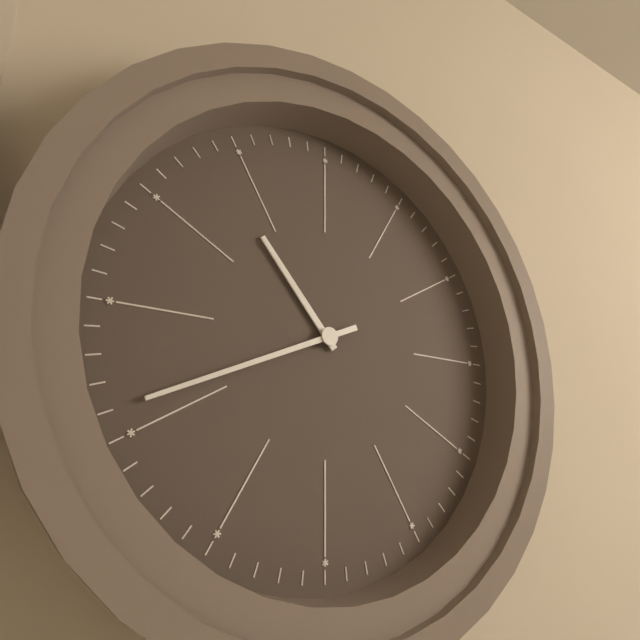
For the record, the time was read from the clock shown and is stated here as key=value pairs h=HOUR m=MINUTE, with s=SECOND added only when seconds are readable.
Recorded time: h=10 m=41
